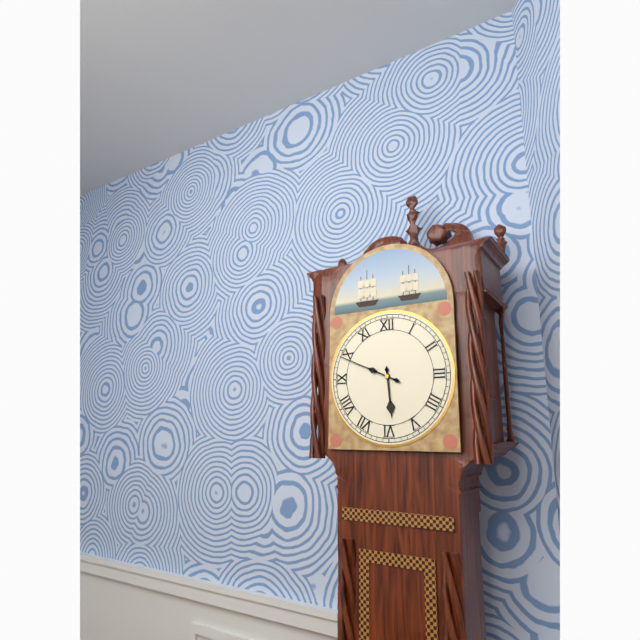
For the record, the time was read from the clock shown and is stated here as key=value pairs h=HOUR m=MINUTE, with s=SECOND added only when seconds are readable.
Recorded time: h=5 m=49
